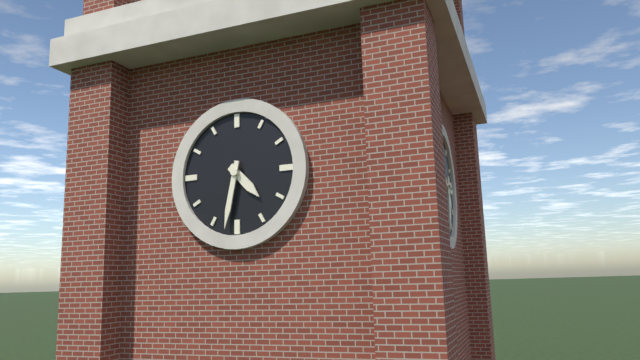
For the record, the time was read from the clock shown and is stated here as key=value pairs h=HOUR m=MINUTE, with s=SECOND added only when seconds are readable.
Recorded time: h=4 m=32
